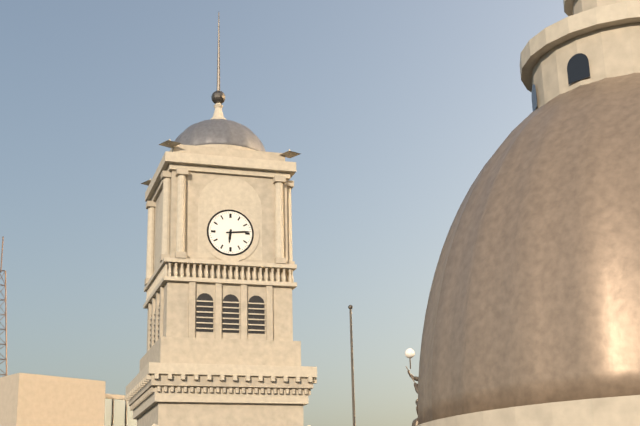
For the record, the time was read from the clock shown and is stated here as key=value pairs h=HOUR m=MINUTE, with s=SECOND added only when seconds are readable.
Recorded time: h=6 m=14
